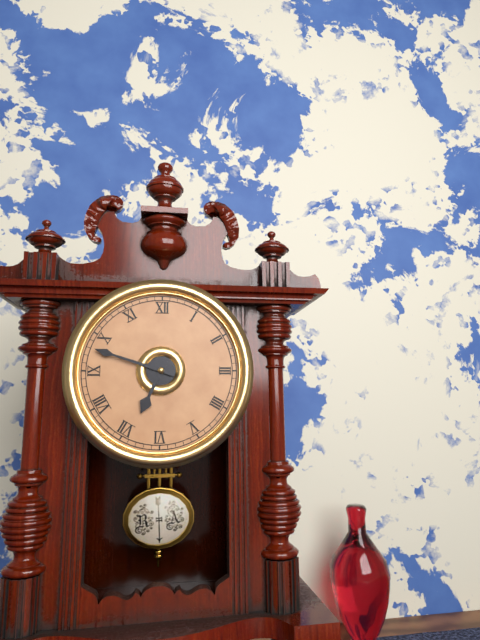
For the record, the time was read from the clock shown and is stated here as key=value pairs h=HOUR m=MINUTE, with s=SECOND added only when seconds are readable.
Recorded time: h=6 m=48
